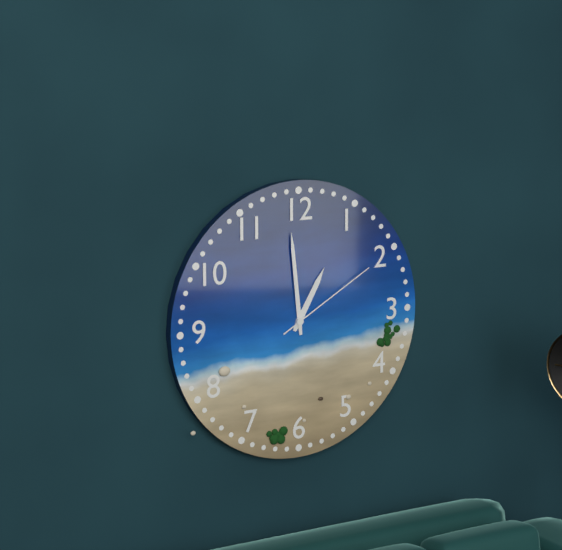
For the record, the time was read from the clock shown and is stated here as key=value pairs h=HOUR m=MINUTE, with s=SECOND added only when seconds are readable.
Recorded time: h=12 m=59 s=10
